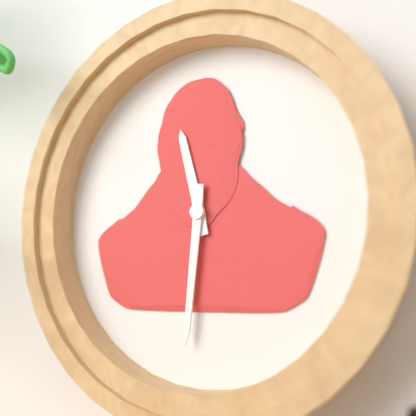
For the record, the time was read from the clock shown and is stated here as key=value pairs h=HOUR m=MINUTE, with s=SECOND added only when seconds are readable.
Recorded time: h=11 m=31
